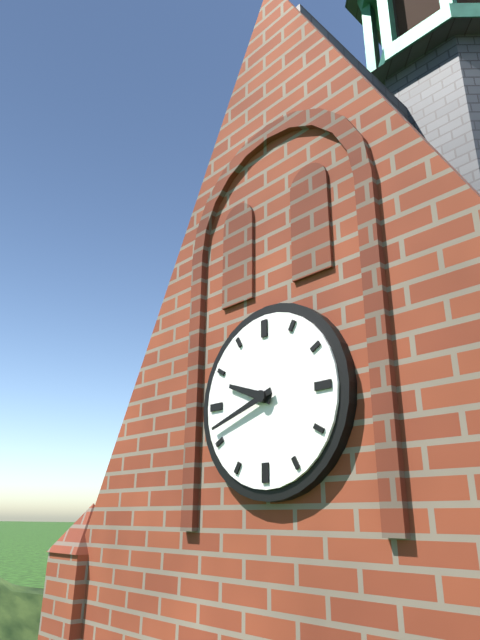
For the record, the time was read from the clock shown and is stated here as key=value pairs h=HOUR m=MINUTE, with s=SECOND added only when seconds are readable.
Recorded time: h=9 m=42
